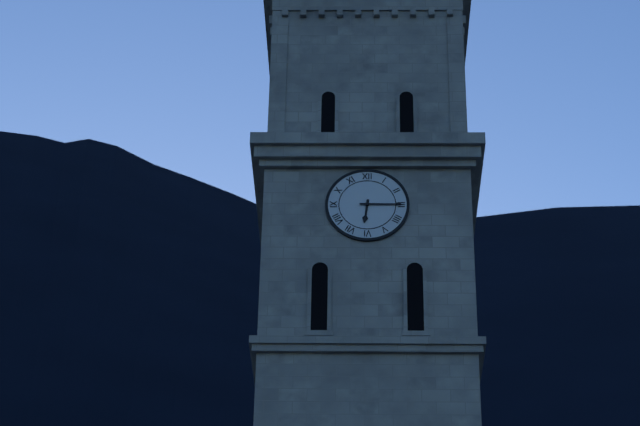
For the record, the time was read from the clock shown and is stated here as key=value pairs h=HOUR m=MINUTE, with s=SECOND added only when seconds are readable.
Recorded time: h=6 m=15
